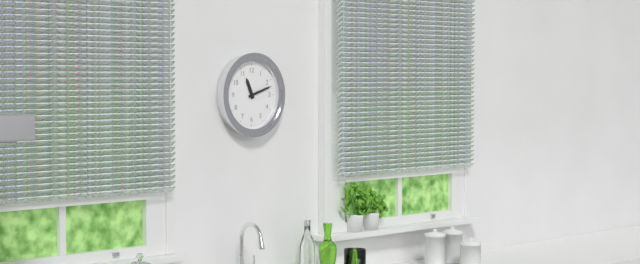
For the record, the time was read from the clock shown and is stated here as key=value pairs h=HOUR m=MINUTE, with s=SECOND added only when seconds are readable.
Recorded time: h=11 m=12
